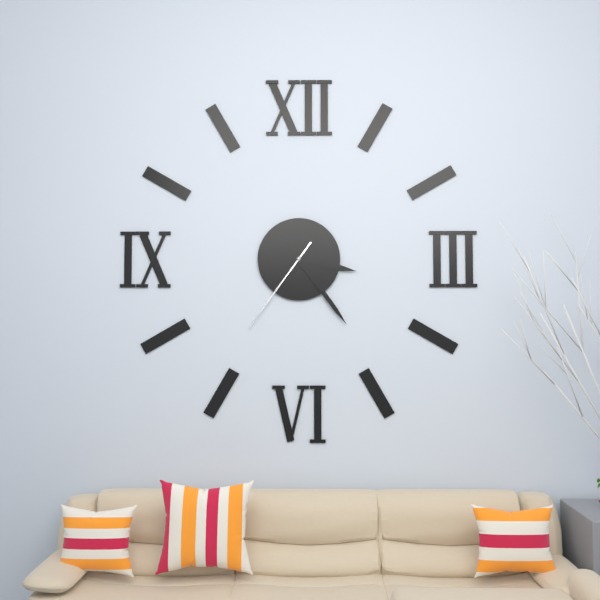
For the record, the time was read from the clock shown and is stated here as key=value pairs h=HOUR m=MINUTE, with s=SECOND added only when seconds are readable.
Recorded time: h=3 m=24 s=36
